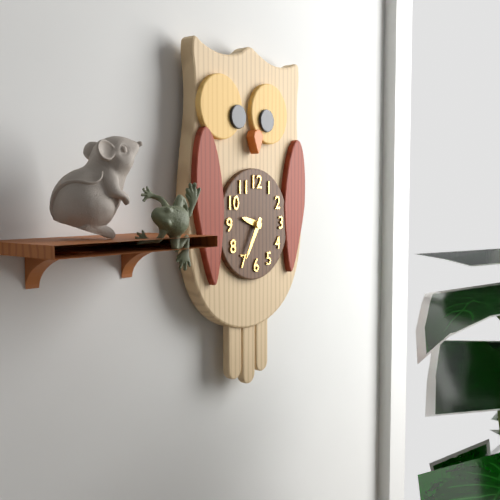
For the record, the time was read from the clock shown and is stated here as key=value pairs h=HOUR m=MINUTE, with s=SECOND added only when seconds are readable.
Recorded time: h=9 m=35
